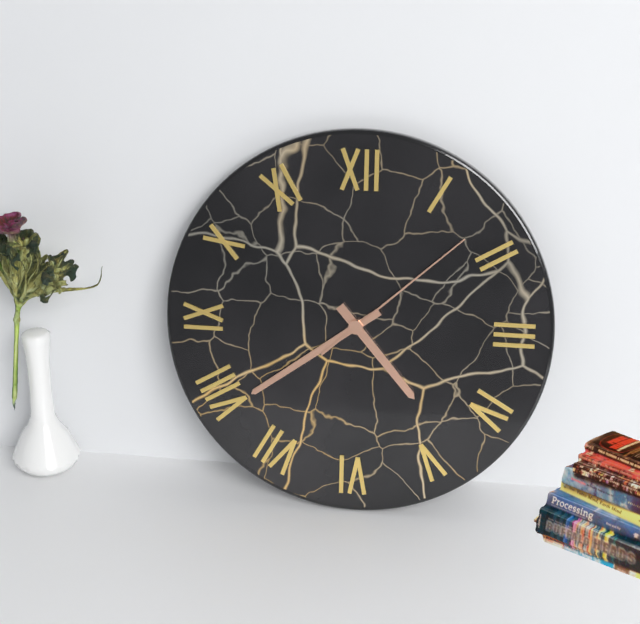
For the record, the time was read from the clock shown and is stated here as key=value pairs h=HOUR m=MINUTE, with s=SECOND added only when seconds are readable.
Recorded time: h=4 m=39 s=8
